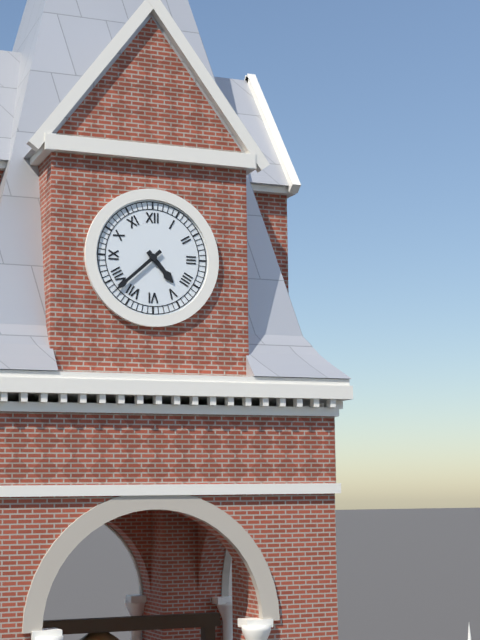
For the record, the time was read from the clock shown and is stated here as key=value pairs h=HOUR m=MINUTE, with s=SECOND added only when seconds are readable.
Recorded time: h=4 m=38
